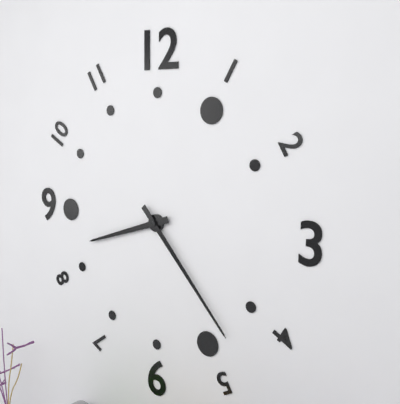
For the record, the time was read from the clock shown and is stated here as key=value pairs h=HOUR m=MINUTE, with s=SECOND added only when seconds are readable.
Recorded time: h=8 m=23
